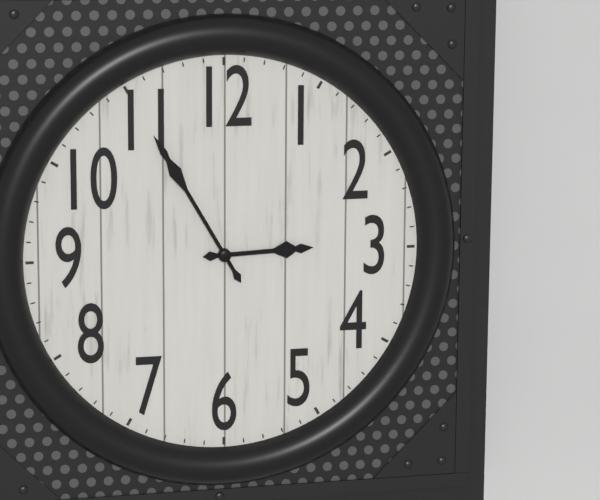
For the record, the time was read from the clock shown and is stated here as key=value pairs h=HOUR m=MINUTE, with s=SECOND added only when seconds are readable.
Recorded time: h=2 m=55
